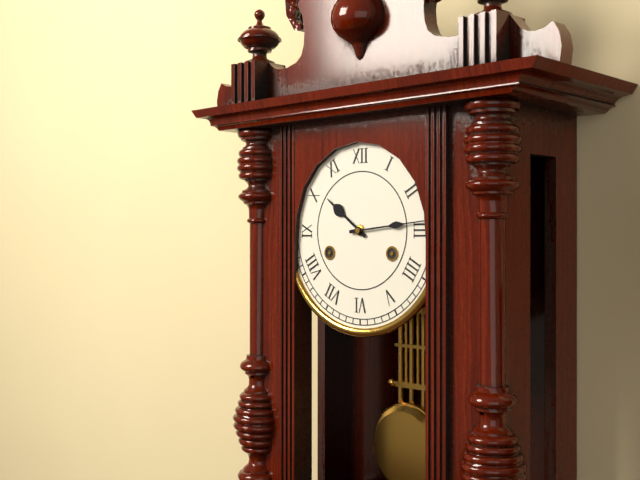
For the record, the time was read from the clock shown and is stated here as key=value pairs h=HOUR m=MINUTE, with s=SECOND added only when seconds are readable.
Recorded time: h=10 m=14
